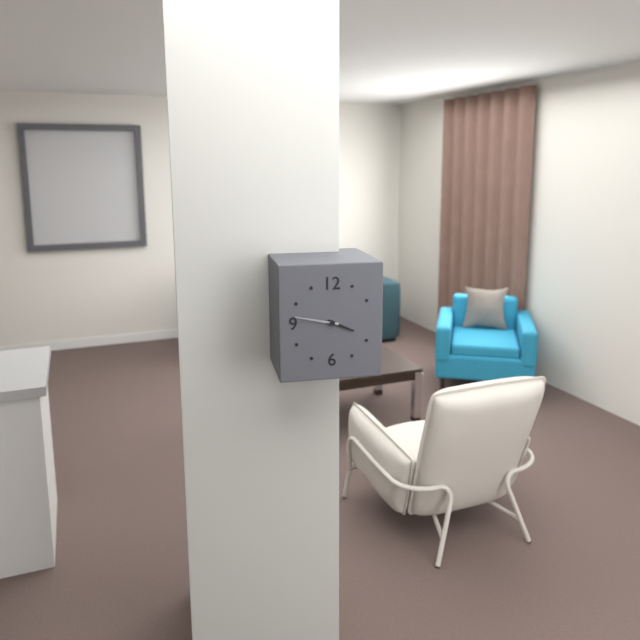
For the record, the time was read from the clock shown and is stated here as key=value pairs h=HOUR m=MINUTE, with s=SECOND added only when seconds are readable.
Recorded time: h=3 m=47
